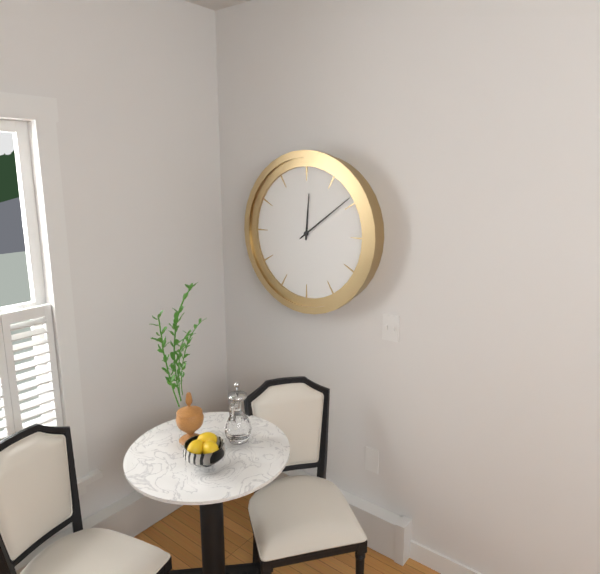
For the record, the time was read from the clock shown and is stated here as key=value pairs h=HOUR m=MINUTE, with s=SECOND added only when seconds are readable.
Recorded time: h=12 m=9
